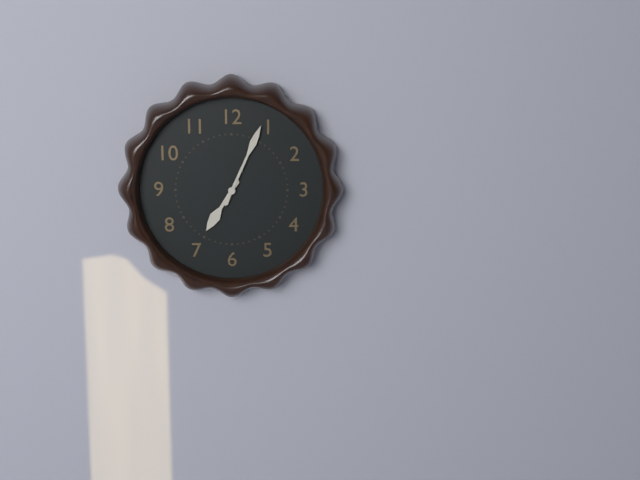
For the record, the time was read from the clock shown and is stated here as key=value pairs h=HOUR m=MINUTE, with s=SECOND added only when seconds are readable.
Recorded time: h=7 m=4
